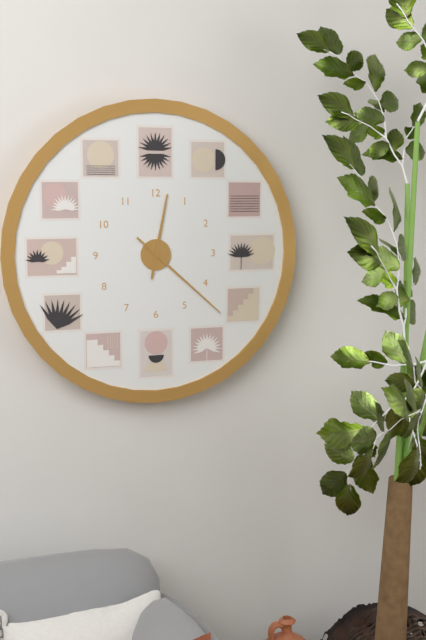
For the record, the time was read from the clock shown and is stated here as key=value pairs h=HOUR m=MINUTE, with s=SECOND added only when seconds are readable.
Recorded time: h=12 m=22
